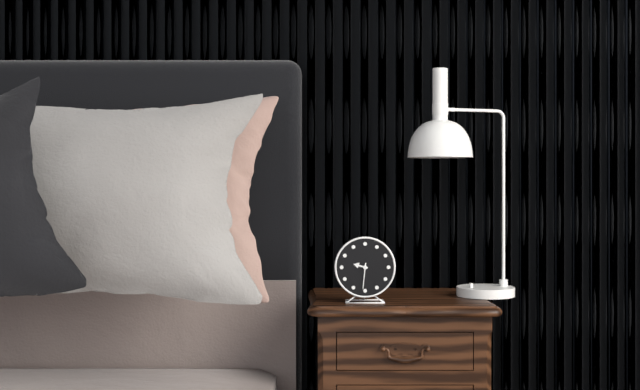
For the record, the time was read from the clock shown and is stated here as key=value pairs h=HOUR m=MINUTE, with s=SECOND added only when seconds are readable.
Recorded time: h=9 m=31
